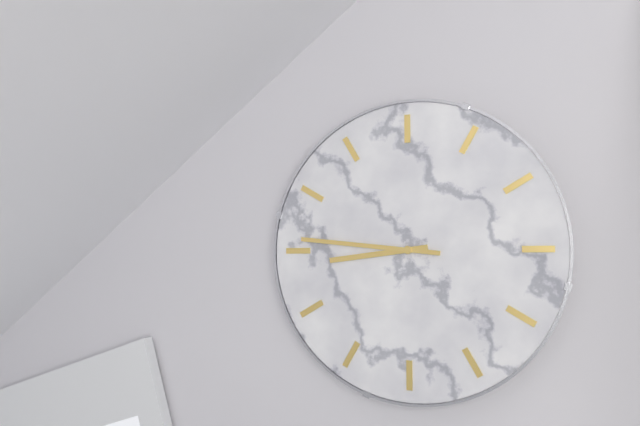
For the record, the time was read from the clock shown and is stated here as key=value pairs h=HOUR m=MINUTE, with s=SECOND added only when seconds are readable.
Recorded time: h=8 m=46
